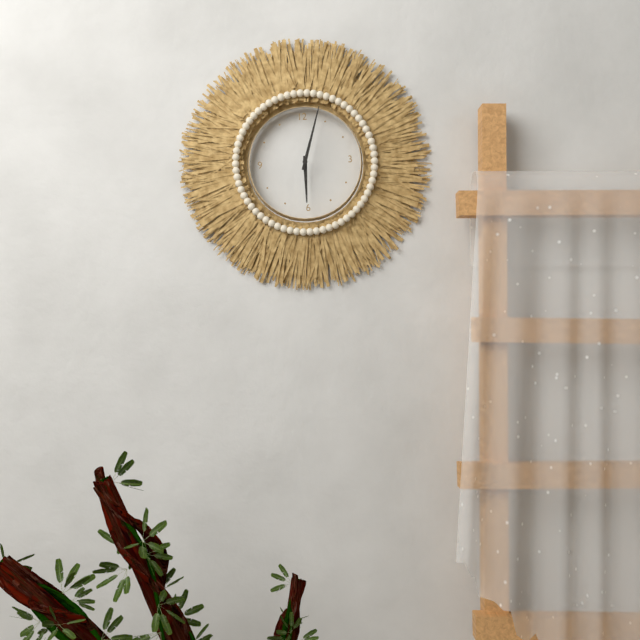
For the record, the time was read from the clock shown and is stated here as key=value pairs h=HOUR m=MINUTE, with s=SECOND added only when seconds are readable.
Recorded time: h=6 m=3
